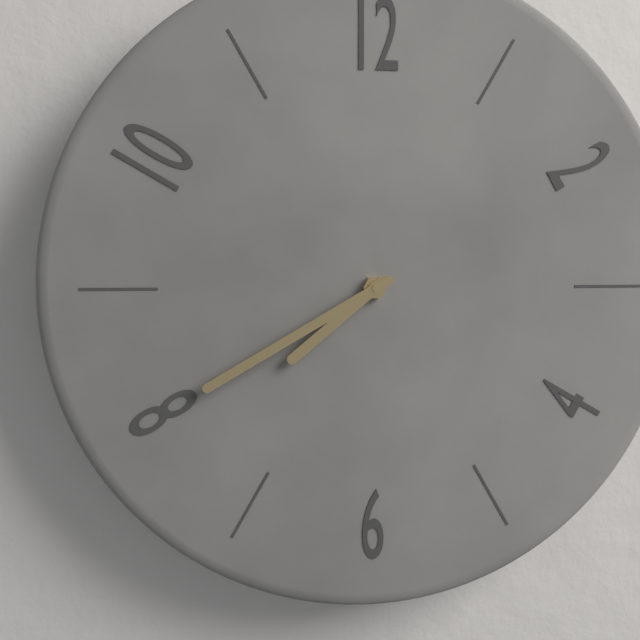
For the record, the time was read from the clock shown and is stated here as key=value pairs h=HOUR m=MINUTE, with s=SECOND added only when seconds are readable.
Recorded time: h=7 m=40
